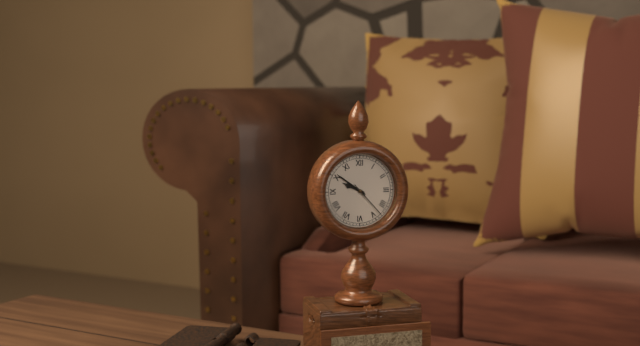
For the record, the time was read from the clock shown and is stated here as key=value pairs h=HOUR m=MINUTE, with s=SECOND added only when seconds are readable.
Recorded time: h=9 m=51
